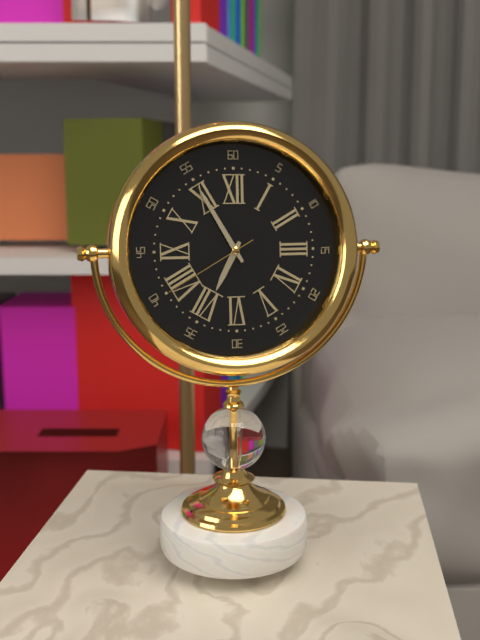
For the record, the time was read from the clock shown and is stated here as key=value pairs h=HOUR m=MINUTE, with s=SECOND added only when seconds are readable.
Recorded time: h=6 m=55 s=40
